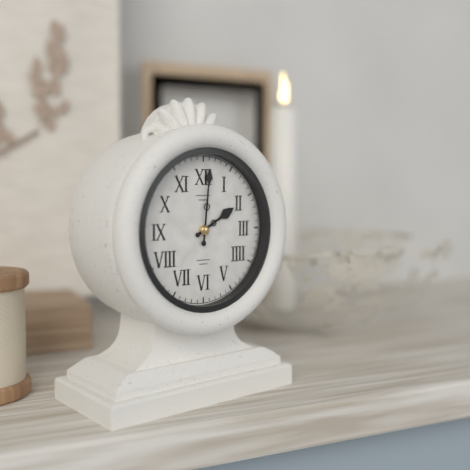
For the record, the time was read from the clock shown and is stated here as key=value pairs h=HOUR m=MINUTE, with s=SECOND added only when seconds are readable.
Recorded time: h=2 m=1
